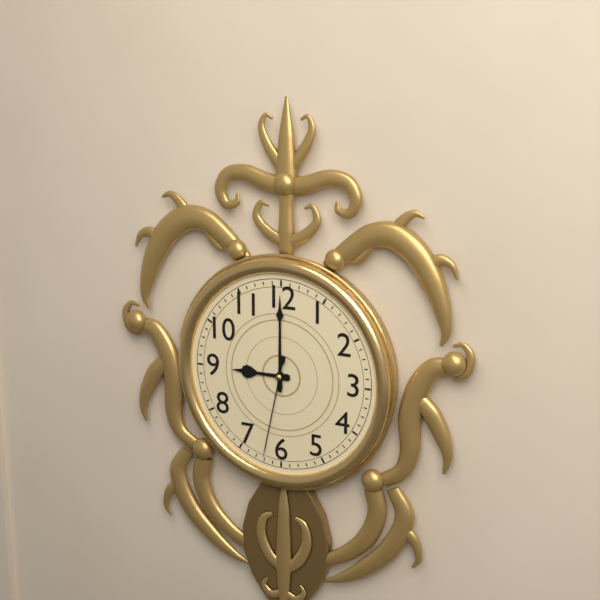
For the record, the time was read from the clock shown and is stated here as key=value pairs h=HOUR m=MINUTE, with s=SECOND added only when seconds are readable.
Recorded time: h=9 m=0 s=32
